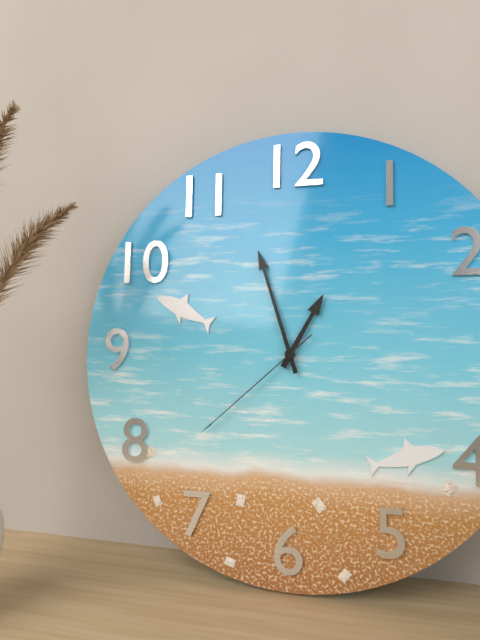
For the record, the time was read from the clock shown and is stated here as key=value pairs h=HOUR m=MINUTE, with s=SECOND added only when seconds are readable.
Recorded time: h=12 m=57 s=38
